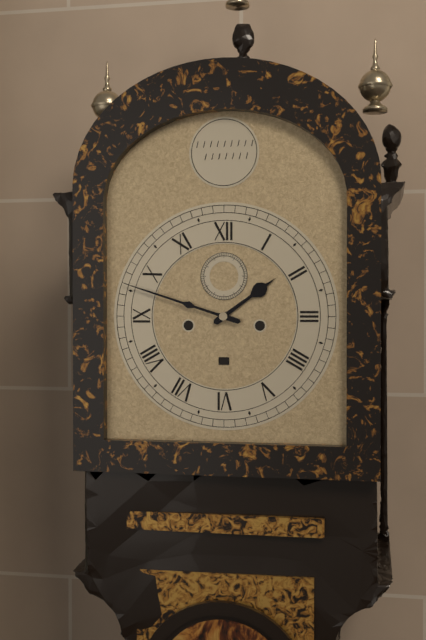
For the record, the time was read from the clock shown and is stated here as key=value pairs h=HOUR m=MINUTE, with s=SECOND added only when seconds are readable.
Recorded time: h=1 m=48
